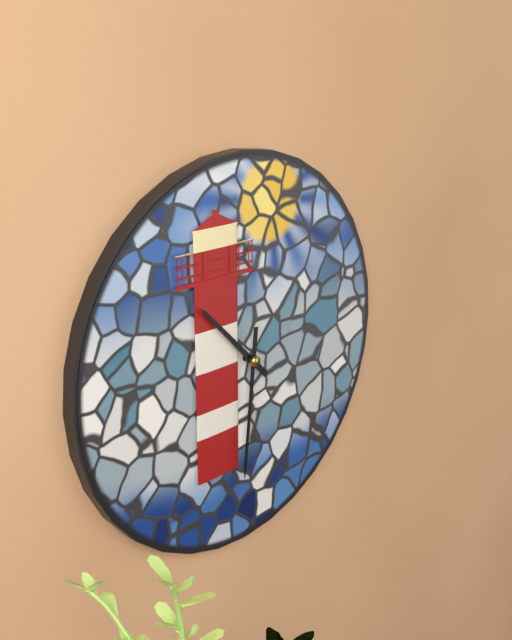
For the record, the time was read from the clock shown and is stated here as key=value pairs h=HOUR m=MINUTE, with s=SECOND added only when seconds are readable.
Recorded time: h=10 m=31
